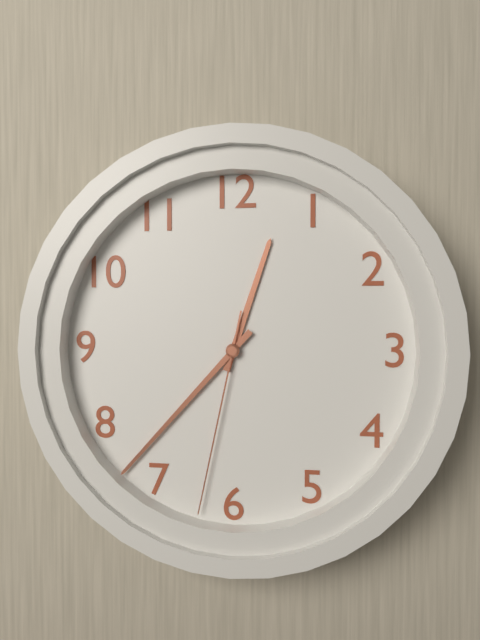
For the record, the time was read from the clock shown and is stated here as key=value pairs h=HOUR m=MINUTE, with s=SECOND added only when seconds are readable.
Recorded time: h=12 m=37 s=32
